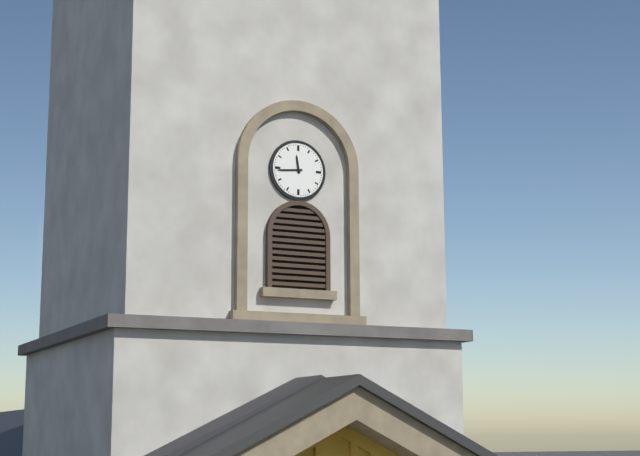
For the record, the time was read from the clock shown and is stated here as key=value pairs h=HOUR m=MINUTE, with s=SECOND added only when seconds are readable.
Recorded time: h=11 m=44
